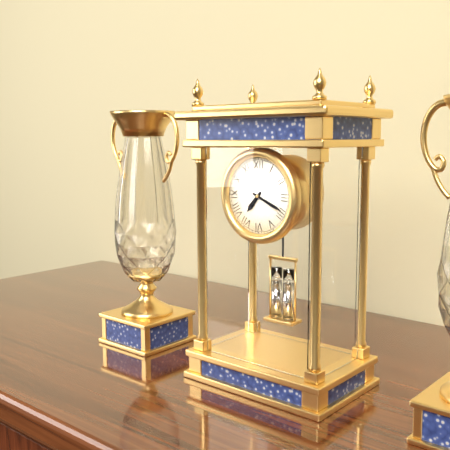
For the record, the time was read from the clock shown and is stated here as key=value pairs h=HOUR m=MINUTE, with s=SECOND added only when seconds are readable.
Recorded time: h=7 m=19
